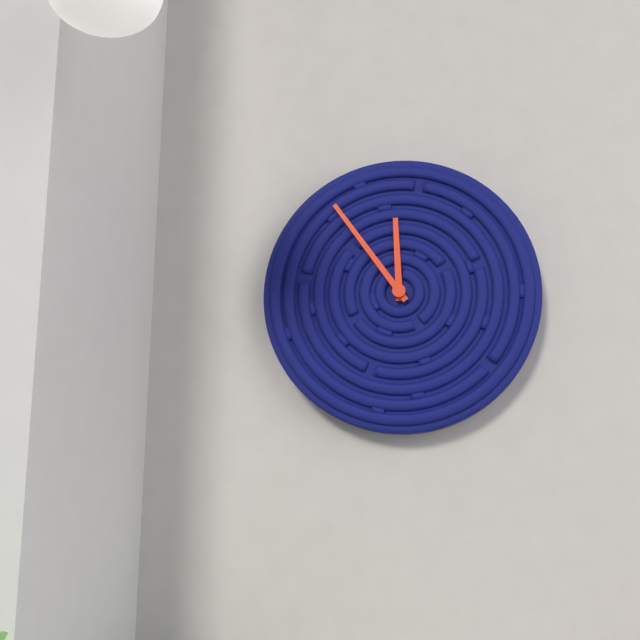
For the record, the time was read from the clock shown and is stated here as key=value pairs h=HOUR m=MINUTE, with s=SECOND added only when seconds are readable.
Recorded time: h=11 m=54
